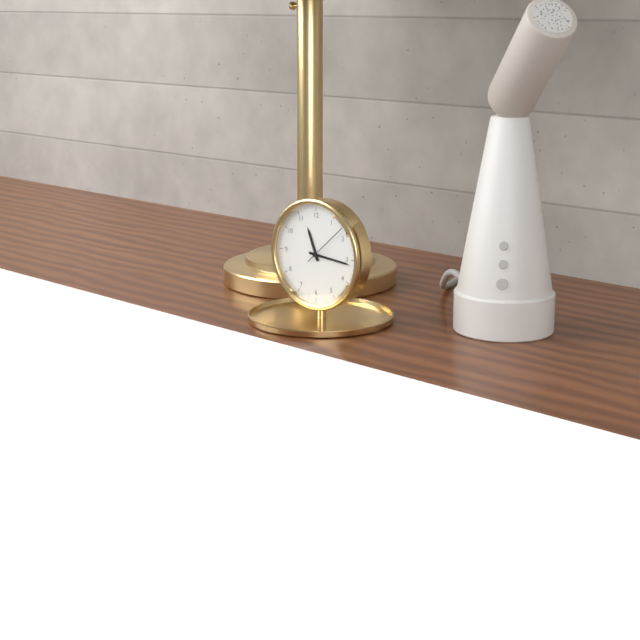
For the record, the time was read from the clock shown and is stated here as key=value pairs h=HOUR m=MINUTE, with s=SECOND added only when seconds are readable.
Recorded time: h=11 m=16
